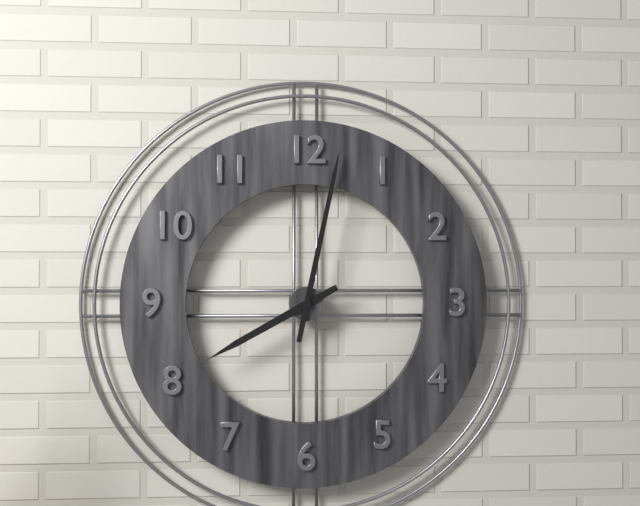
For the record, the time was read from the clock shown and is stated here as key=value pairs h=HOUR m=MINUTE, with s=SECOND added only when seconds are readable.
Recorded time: h=8 m=2
